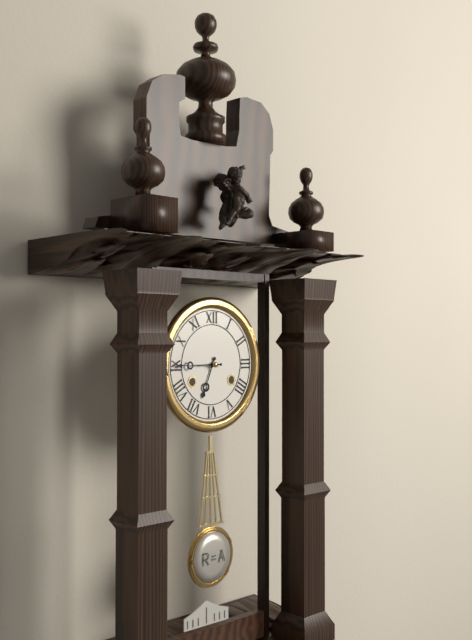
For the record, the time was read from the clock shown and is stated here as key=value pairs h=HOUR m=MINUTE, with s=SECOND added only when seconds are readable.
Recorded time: h=6 m=45
